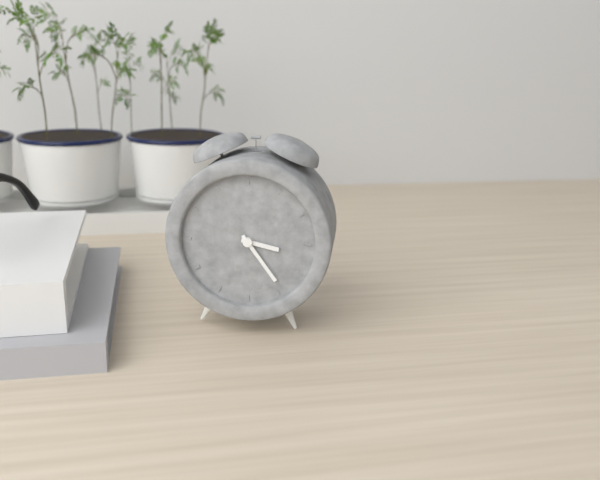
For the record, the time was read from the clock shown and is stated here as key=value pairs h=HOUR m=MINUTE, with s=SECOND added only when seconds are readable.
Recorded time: h=3 m=24
